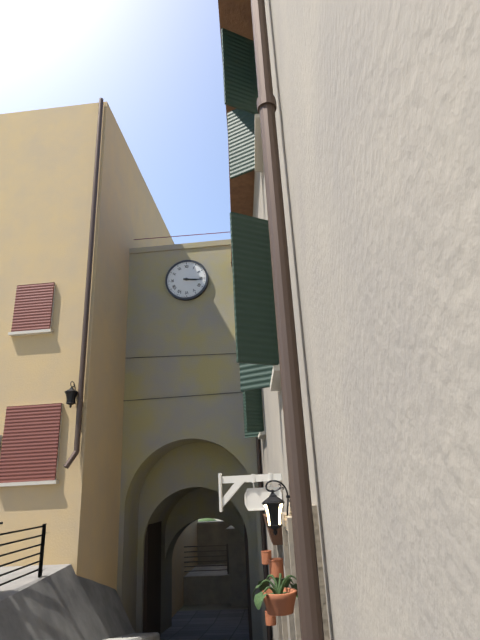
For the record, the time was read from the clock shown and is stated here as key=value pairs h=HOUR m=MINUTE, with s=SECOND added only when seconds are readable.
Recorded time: h=3 m=16
